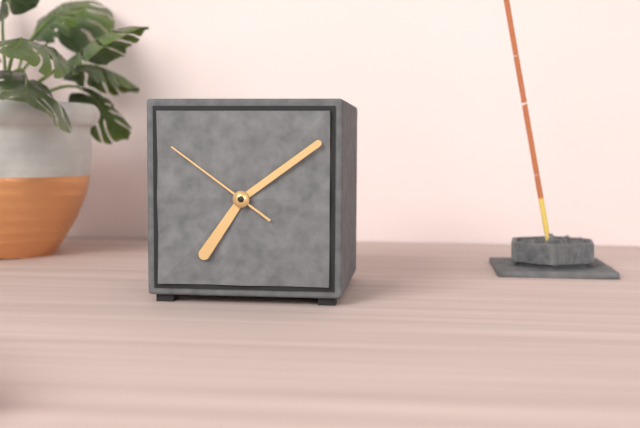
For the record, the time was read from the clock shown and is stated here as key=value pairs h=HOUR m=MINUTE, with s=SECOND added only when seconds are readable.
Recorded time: h=7 m=9 s=51
